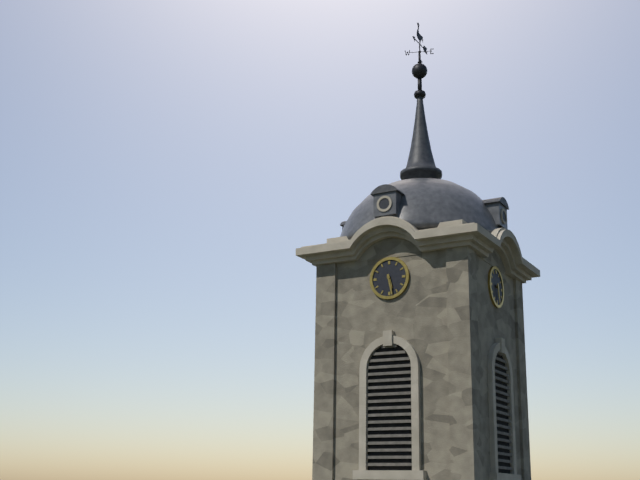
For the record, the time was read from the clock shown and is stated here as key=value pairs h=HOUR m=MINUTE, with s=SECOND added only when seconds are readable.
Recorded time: h=5 m=28
